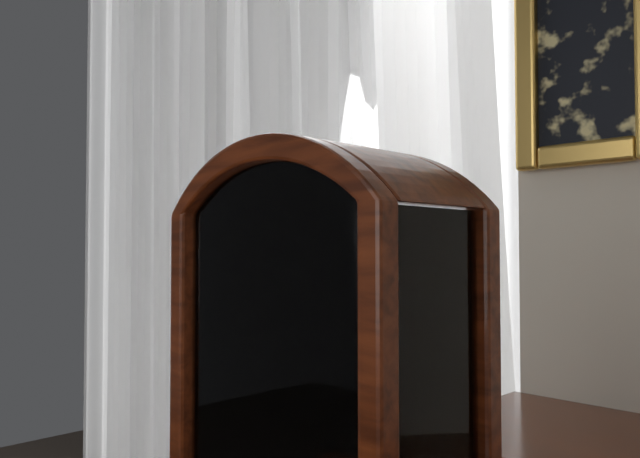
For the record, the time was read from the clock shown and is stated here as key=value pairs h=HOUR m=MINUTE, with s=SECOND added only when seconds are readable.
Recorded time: h=2 m=50
